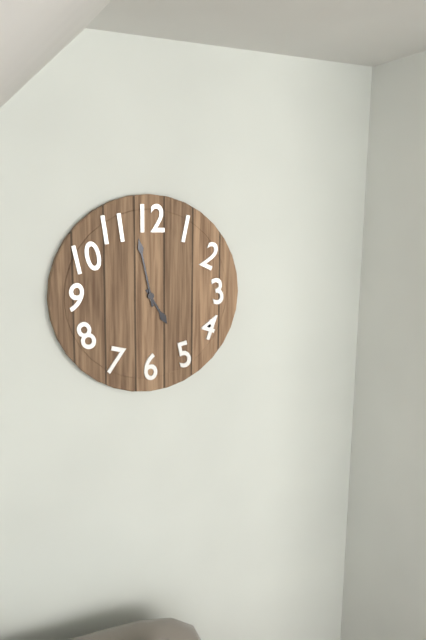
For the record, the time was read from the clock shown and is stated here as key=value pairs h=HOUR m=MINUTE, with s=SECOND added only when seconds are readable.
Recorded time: h=4 m=58
